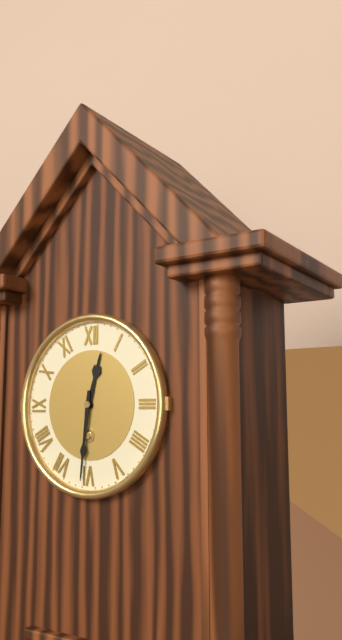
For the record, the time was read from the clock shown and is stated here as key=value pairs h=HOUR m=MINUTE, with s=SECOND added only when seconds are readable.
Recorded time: h=12 m=31
